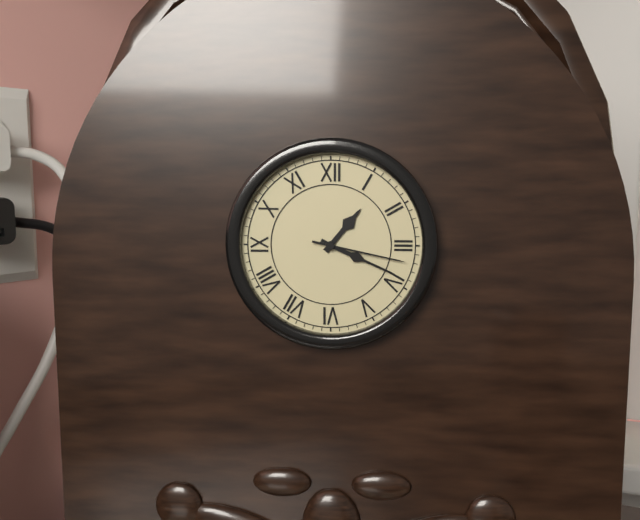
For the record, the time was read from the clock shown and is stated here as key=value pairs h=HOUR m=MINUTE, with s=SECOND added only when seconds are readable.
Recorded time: h=1 m=19 s=17
